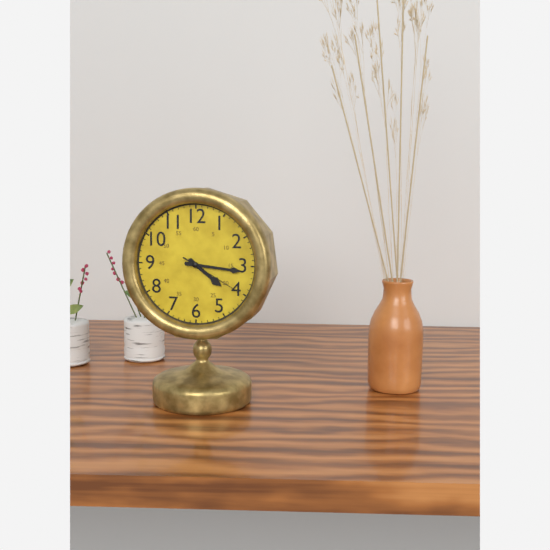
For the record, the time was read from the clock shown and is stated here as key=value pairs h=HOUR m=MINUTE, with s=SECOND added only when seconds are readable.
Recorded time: h=4 m=16 s=20
